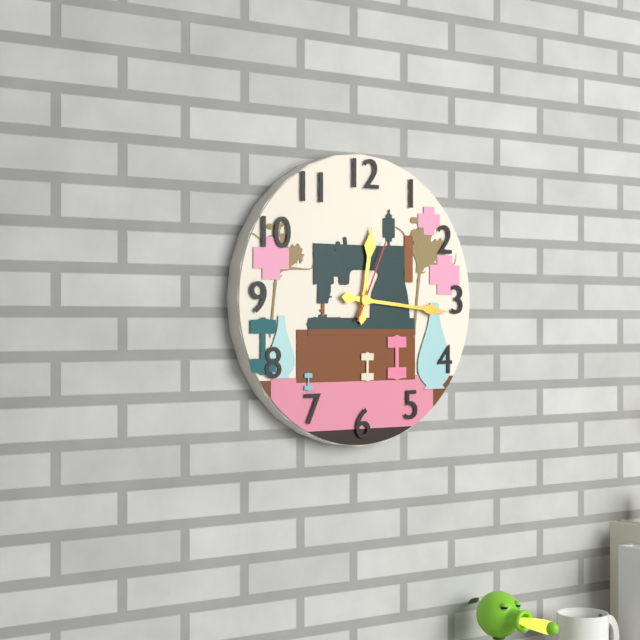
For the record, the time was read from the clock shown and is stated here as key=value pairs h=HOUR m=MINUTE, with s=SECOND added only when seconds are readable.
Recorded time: h=12 m=16 s=4
